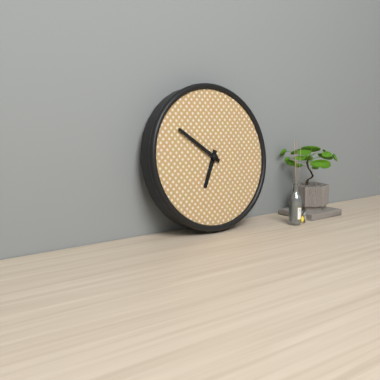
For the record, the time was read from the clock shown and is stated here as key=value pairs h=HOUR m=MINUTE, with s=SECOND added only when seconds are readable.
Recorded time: h=6 m=51
